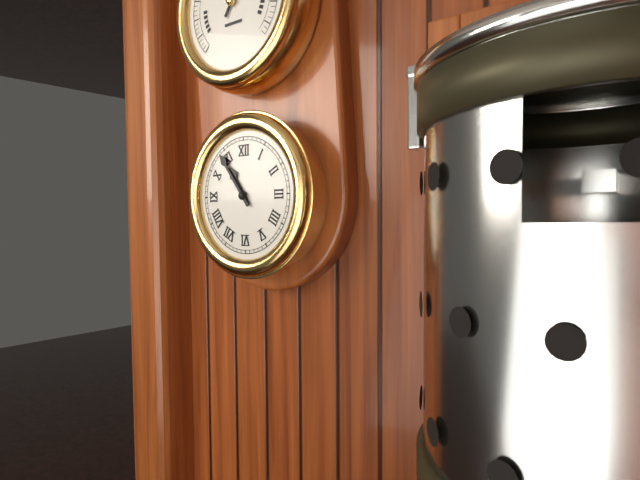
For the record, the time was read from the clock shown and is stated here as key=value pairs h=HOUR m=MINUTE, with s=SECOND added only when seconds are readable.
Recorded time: h=10 m=54
